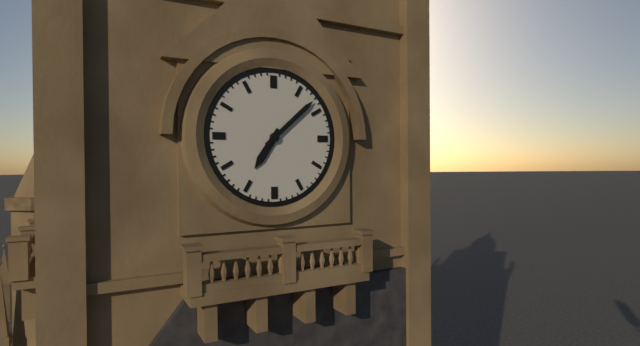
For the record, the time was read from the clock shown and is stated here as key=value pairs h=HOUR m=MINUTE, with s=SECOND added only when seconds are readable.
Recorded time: h=7 m=8
